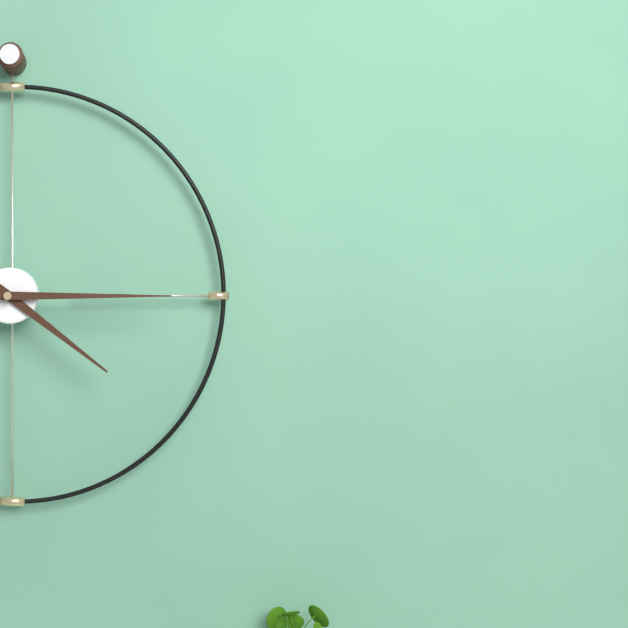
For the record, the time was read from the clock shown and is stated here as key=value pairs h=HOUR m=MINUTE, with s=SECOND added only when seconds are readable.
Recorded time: h=4 m=15
